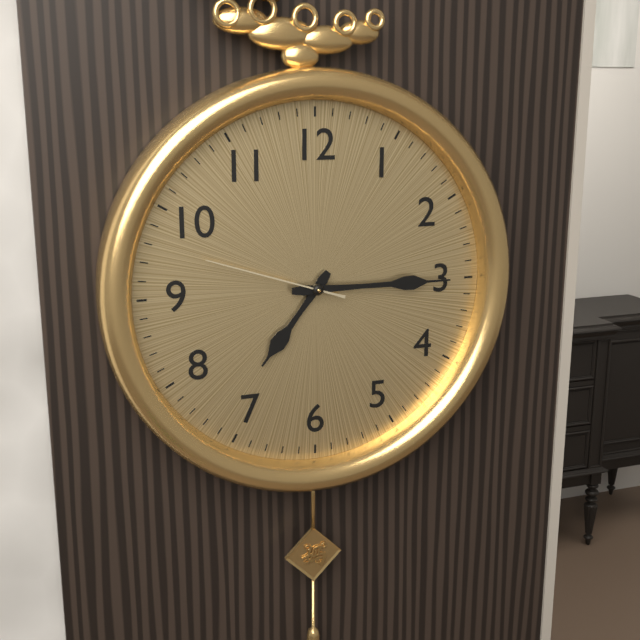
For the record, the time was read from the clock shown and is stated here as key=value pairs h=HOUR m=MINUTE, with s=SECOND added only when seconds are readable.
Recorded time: h=7 m=15 s=48
